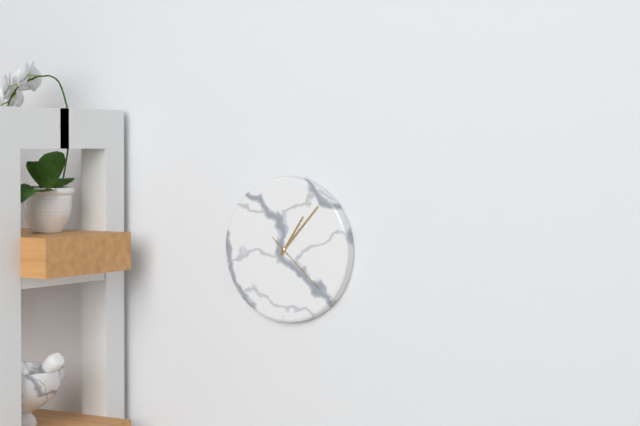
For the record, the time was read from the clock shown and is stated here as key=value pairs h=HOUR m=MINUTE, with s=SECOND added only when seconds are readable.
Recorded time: h=1 m=7 s=22
